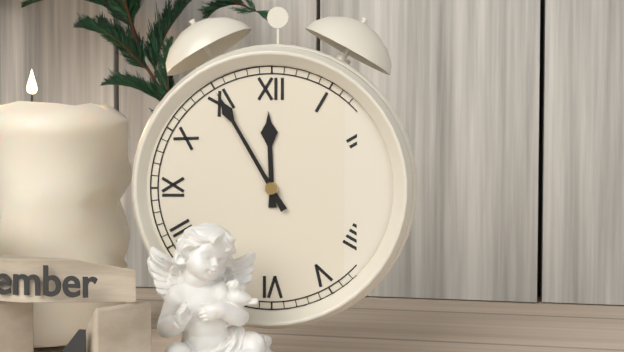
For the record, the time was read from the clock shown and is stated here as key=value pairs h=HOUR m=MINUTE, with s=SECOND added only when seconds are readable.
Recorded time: h=11 m=55
